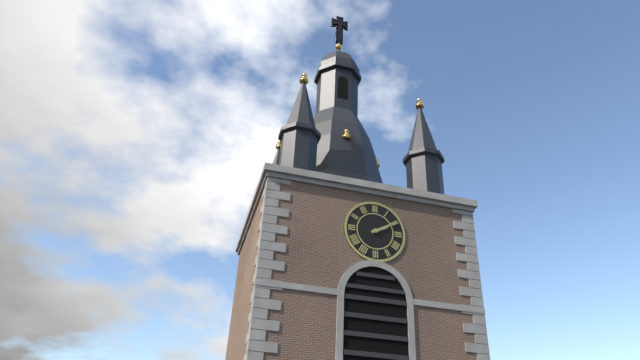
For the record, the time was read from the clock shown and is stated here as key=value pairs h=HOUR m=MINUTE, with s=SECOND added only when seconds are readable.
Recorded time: h=2 m=10
